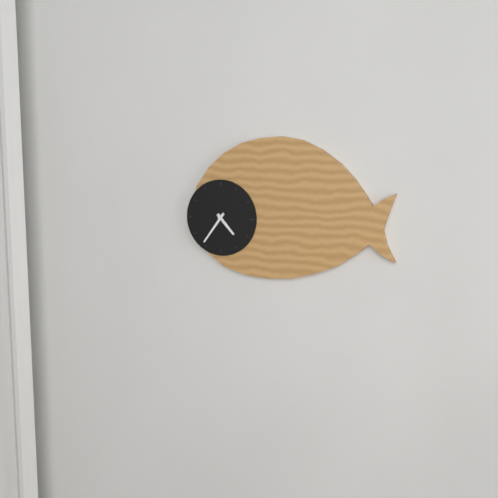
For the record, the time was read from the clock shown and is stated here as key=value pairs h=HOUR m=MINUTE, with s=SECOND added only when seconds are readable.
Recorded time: h=4 m=36
